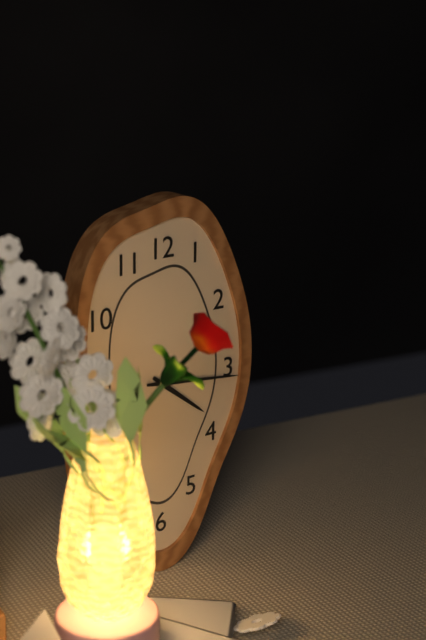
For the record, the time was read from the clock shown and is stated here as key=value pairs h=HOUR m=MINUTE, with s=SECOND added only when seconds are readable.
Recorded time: h=4 m=16
